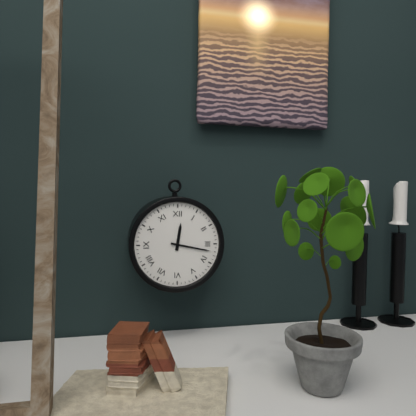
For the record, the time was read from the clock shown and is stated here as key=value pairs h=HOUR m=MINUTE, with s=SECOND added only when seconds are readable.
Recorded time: h=12 m=17
